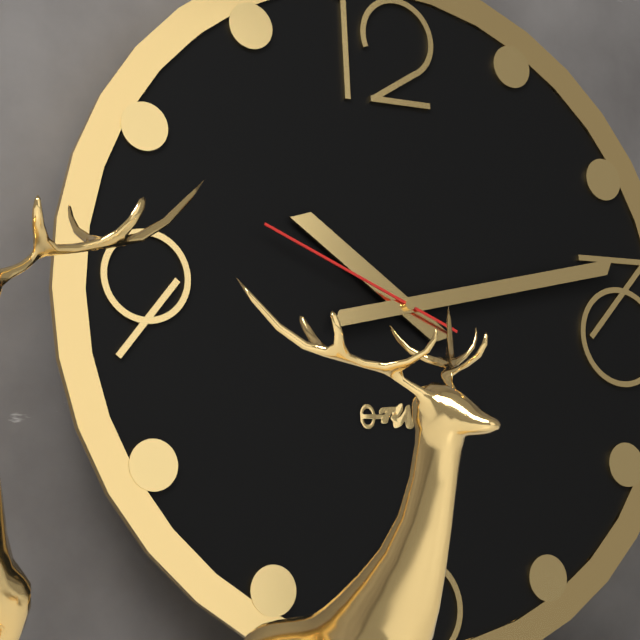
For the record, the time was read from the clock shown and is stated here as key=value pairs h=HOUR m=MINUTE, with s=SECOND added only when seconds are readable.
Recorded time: h=10 m=13 s=49
